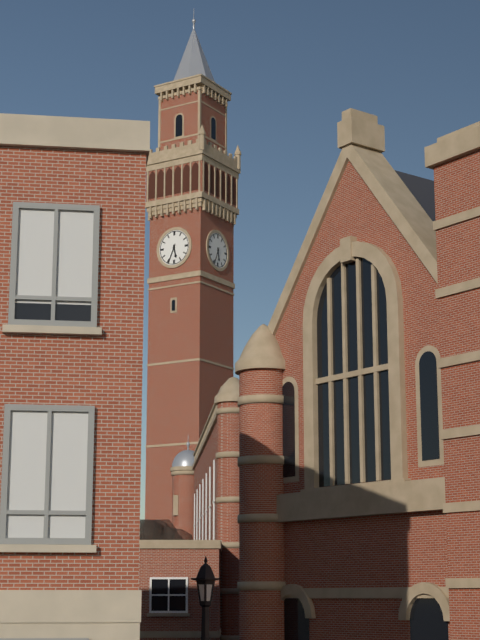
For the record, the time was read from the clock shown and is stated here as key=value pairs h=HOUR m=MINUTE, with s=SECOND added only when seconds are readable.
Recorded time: h=5 m=34
